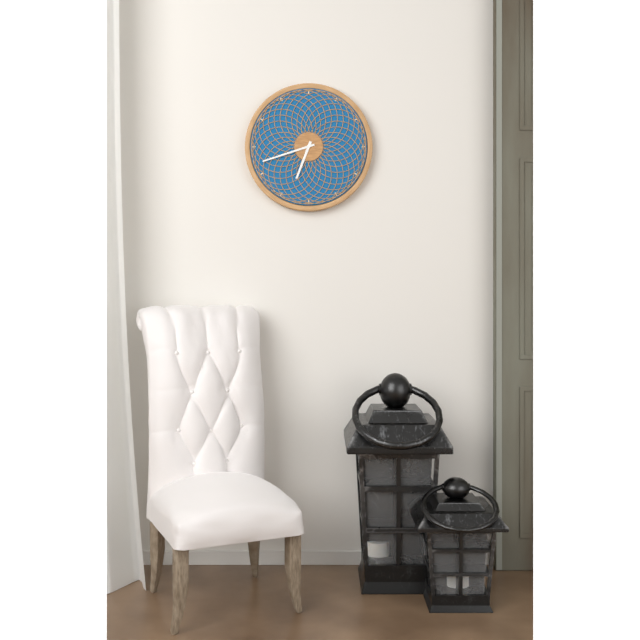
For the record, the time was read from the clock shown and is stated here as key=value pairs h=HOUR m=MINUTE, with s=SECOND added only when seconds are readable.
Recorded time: h=6 m=42
